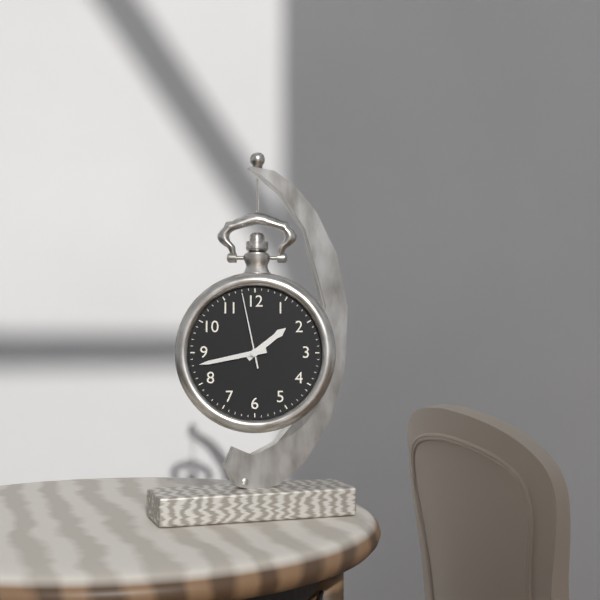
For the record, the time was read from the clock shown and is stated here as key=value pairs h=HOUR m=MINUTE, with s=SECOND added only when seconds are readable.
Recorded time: h=1 m=43 s=58
